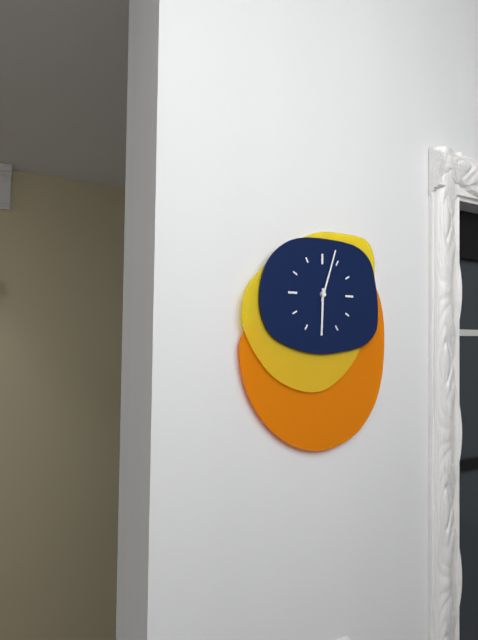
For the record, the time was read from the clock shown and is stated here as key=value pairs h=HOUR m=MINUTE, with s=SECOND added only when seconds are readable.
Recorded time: h=6 m=3
